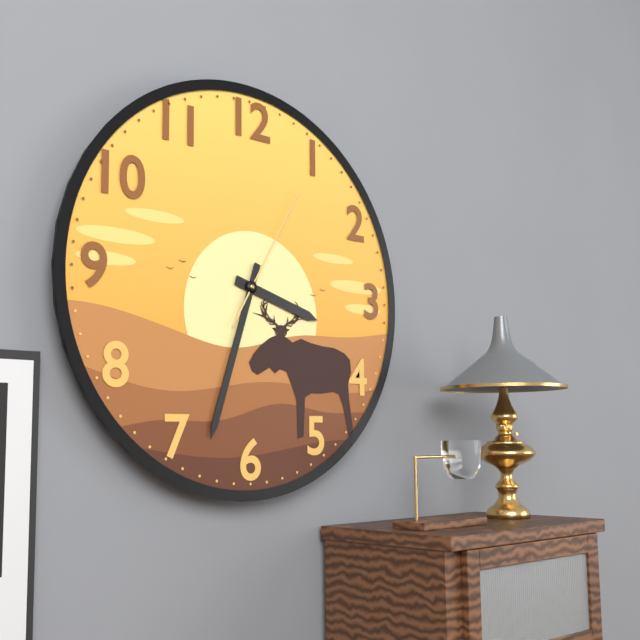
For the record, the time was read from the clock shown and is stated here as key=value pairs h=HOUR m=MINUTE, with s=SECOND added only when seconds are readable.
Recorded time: h=3 m=33 s=5
